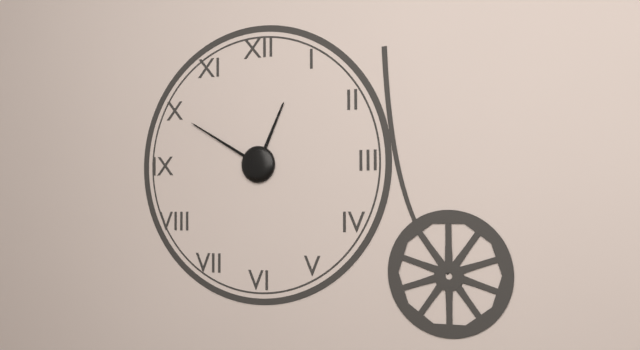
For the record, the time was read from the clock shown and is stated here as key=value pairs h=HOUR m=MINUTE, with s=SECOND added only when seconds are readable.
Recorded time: h=12 m=50
